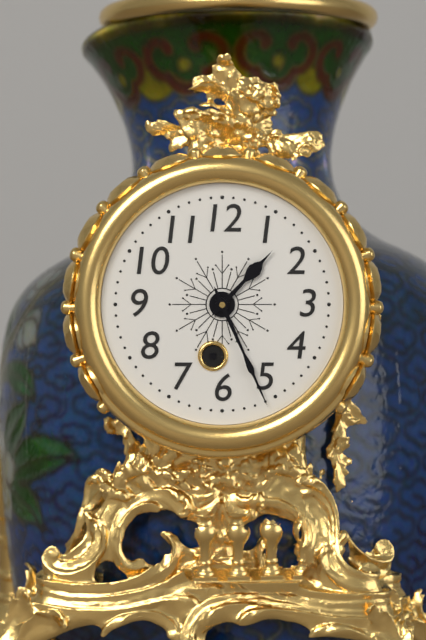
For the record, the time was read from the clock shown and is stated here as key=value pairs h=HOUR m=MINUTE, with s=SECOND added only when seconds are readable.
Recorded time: h=1 m=26
